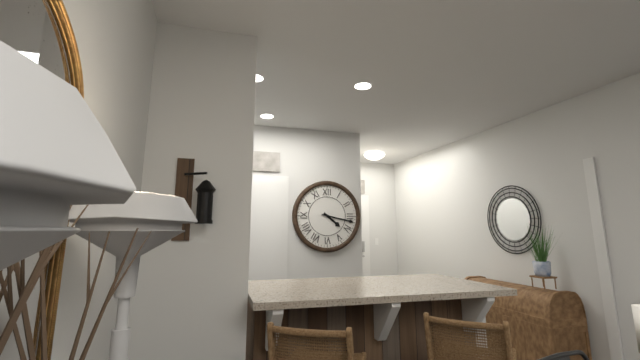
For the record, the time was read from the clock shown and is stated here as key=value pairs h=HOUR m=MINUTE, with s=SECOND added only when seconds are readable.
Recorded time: h=4 m=17
